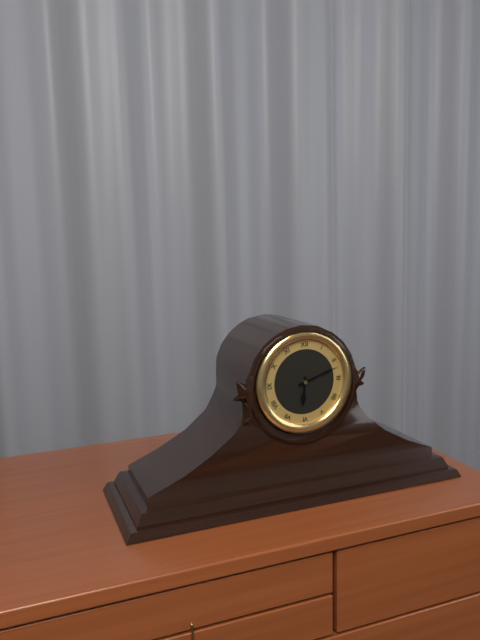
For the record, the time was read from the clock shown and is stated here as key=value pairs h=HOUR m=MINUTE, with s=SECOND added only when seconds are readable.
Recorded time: h=6 m=12
